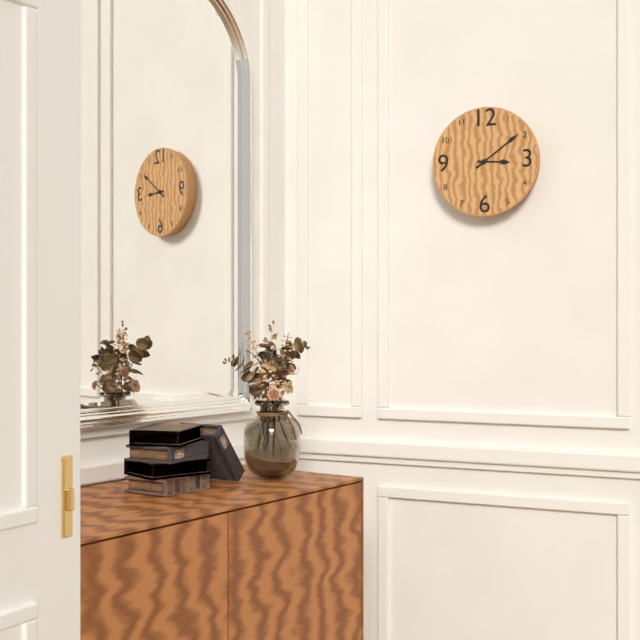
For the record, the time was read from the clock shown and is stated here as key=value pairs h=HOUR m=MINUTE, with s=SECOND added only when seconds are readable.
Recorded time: h=3 m=9
